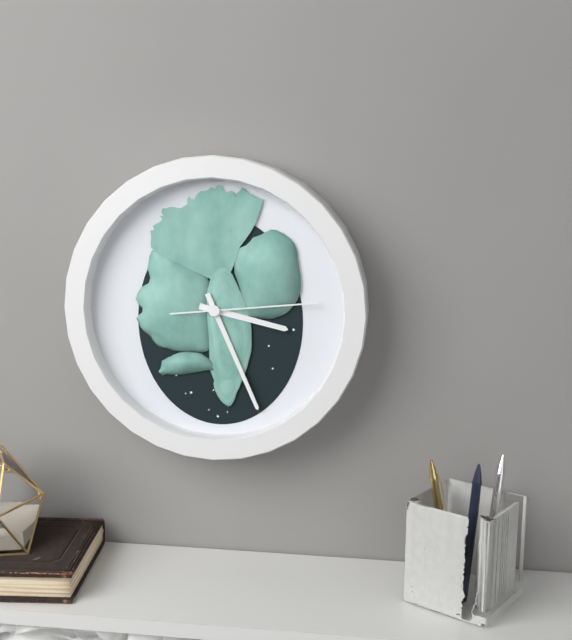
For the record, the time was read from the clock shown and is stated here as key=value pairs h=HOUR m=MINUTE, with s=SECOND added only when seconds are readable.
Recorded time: h=3 m=26 s=14
